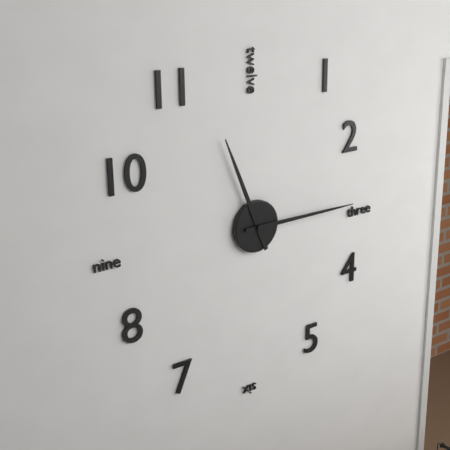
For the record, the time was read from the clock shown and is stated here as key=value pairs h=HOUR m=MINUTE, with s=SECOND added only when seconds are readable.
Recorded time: h=11 m=15
